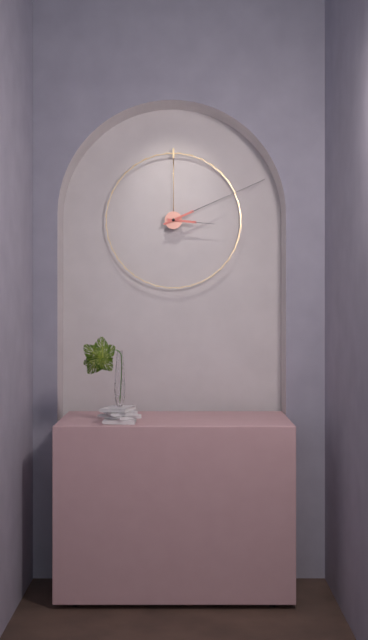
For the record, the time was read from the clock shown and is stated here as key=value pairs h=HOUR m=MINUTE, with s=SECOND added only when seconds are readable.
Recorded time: h=3 m=11
